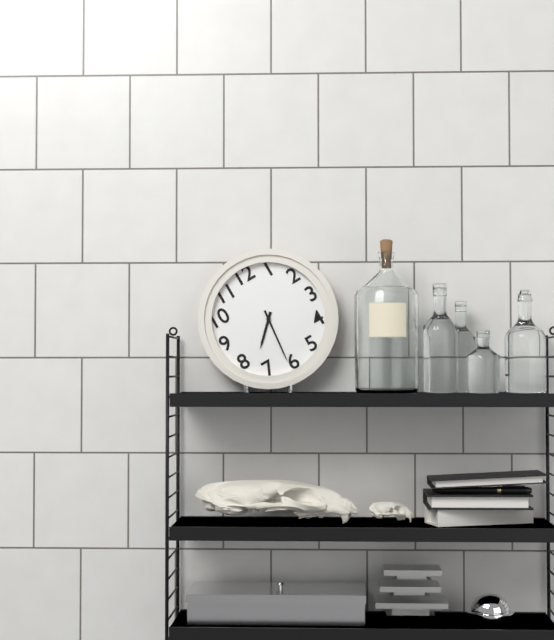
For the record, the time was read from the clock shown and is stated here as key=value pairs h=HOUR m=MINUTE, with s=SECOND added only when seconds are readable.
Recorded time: h=7 m=31
